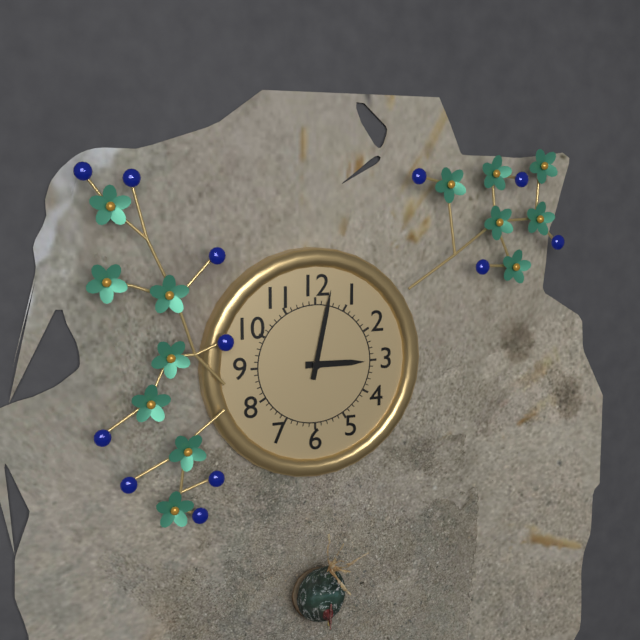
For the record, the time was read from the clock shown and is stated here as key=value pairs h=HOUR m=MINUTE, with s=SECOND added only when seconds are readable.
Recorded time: h=3 m=2
